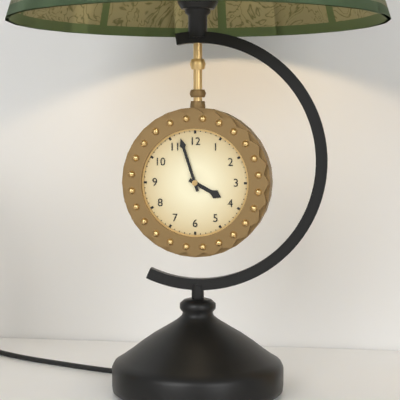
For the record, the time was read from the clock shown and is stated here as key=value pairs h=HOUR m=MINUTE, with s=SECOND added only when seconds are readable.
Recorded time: h=3 m=57
